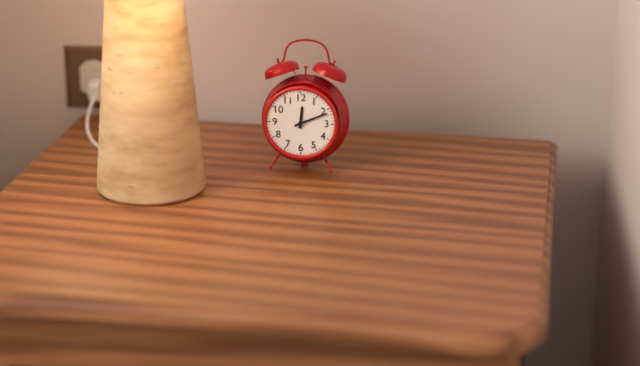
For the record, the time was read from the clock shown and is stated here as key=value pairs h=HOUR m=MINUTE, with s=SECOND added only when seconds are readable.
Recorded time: h=12 m=11
